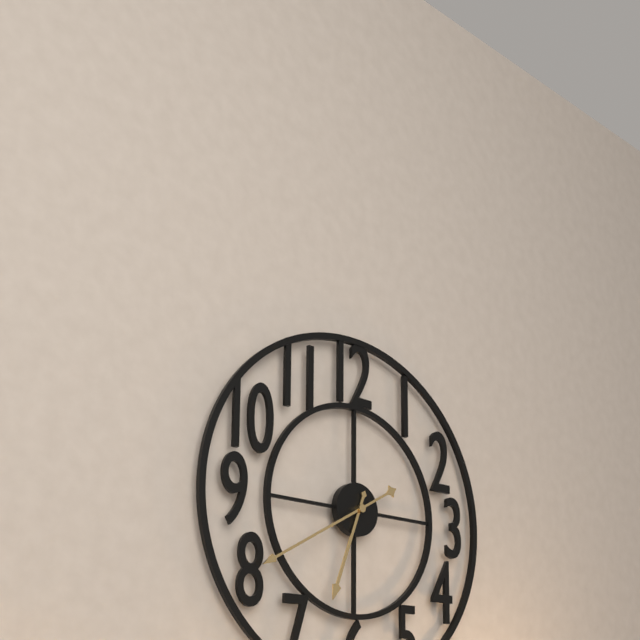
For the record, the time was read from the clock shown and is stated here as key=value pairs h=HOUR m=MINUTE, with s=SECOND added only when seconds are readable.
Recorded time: h=6 m=40
